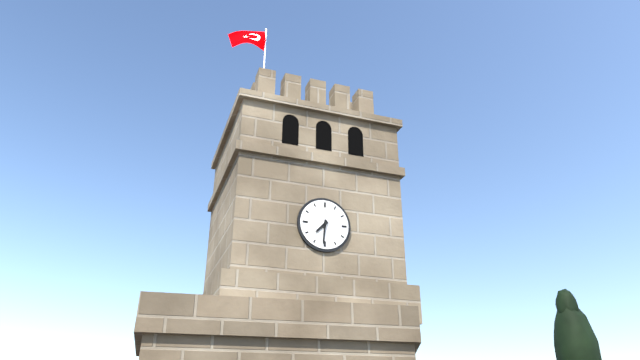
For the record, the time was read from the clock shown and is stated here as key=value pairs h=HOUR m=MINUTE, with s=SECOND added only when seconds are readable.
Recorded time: h=7 m=31
